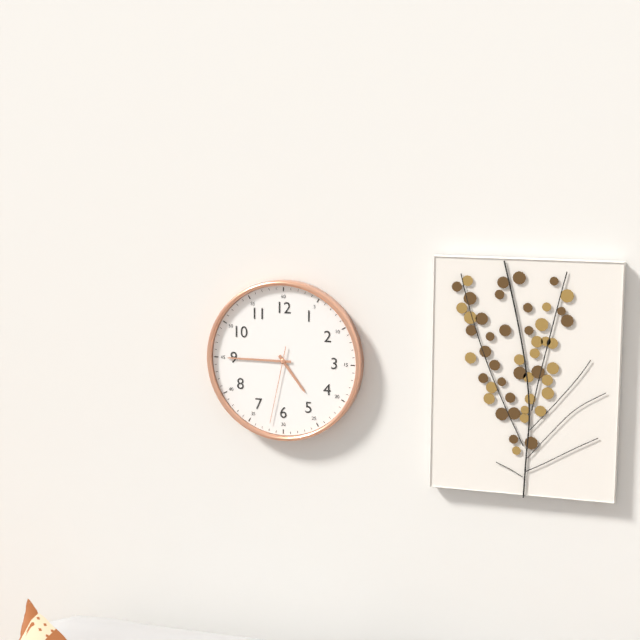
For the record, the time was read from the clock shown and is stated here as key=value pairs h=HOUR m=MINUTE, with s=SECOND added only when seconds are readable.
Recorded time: h=4 m=45 s=32
